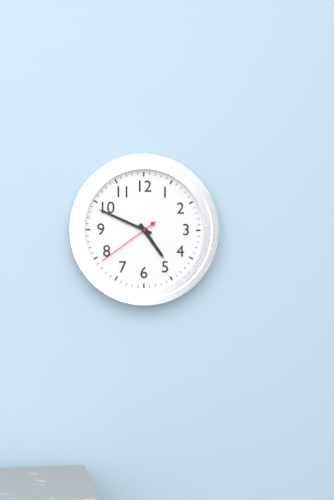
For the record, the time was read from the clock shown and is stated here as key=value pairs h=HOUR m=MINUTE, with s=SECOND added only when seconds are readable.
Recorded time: h=4 m=49 s=39
